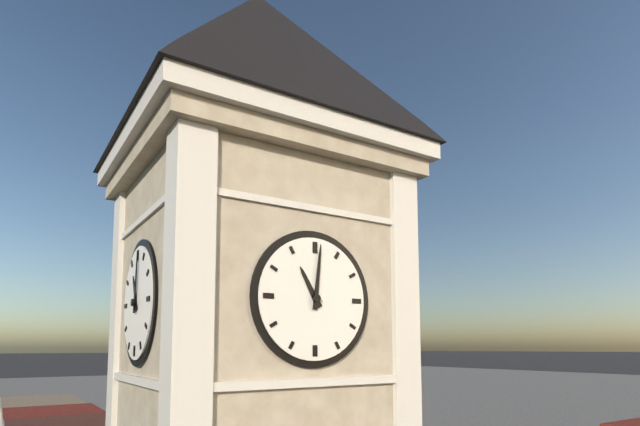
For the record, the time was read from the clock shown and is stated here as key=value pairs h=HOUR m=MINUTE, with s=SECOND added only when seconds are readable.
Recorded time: h=11 m=1
